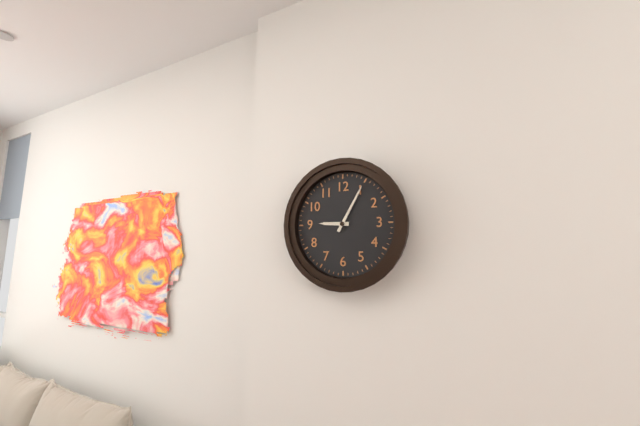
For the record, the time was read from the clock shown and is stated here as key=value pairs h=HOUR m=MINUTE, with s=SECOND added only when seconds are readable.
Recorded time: h=9 m=5
